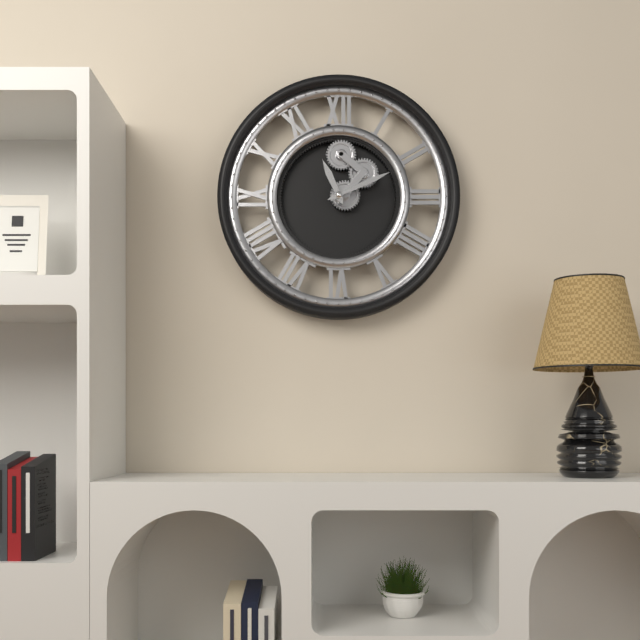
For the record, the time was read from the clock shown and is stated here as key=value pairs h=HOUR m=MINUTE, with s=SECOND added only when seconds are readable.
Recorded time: h=11 m=11
